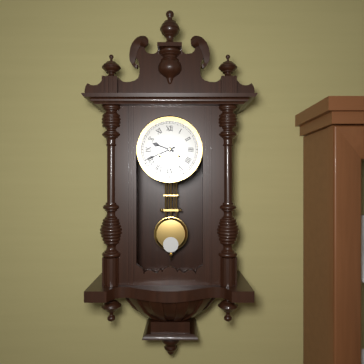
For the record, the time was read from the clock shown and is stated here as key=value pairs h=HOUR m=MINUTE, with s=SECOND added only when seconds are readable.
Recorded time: h=9 m=41
